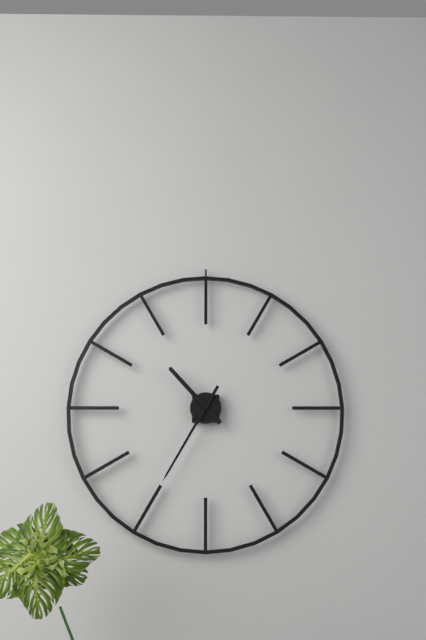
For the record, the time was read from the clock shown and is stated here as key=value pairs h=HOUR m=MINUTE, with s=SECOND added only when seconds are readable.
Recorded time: h=10 m=35
